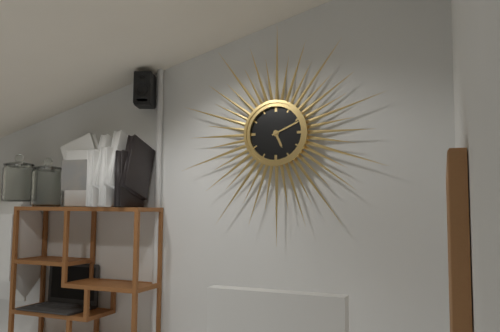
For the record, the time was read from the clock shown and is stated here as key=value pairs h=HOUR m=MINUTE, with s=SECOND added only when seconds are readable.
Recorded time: h=5 m=11
